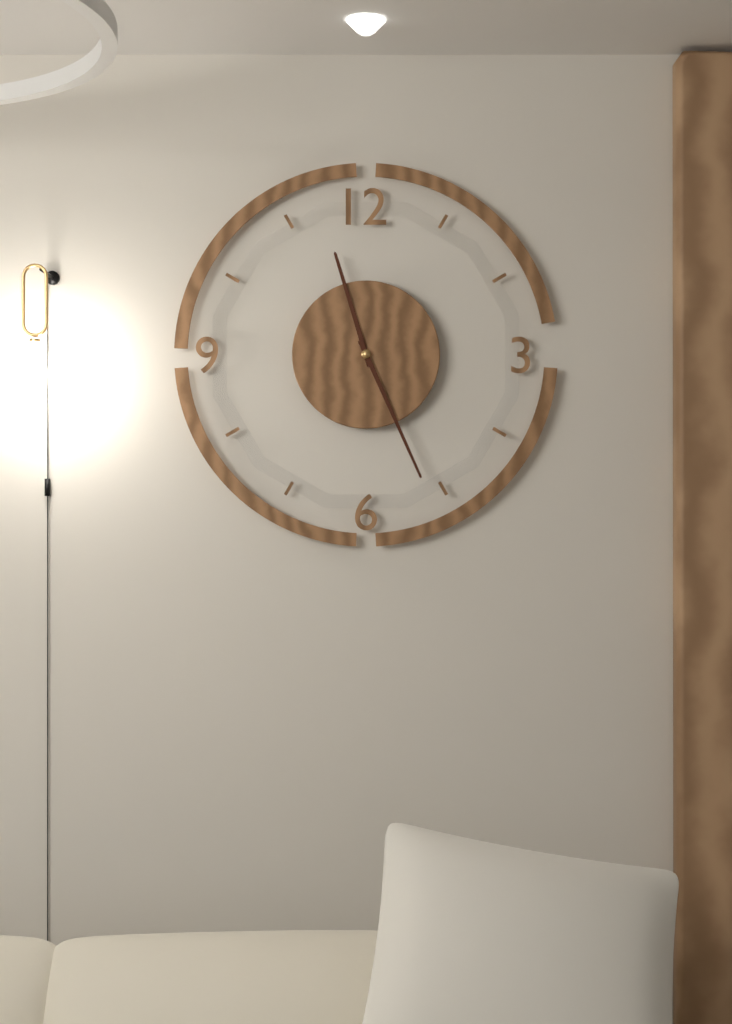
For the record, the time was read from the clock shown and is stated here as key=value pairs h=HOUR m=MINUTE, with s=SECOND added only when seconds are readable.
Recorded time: h=11 m=26
